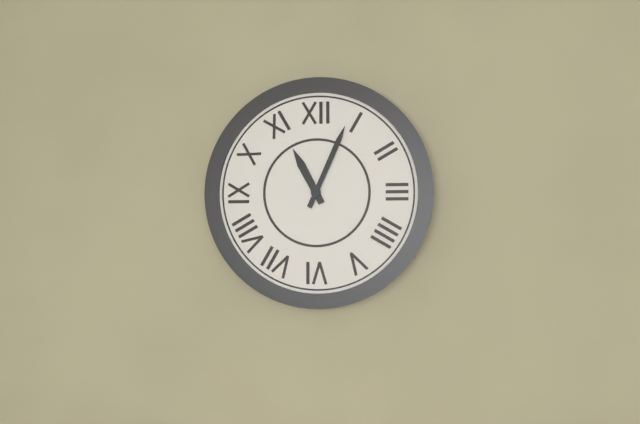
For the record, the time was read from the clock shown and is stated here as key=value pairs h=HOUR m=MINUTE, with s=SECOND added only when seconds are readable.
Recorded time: h=11 m=4
